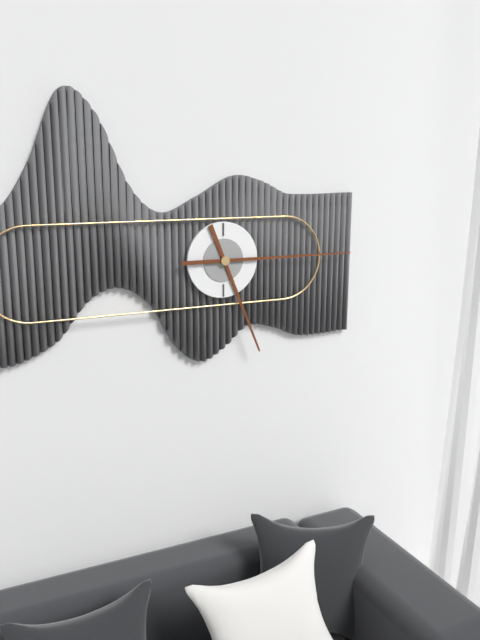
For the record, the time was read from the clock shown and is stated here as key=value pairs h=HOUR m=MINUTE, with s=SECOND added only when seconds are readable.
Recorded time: h=5 m=15
